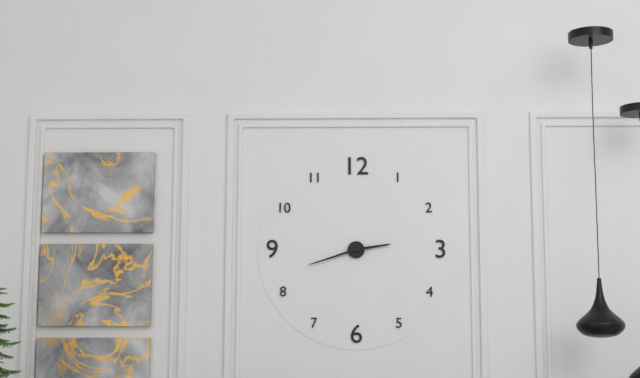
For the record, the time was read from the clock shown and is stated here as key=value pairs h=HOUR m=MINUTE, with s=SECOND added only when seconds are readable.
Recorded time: h=2 m=42
